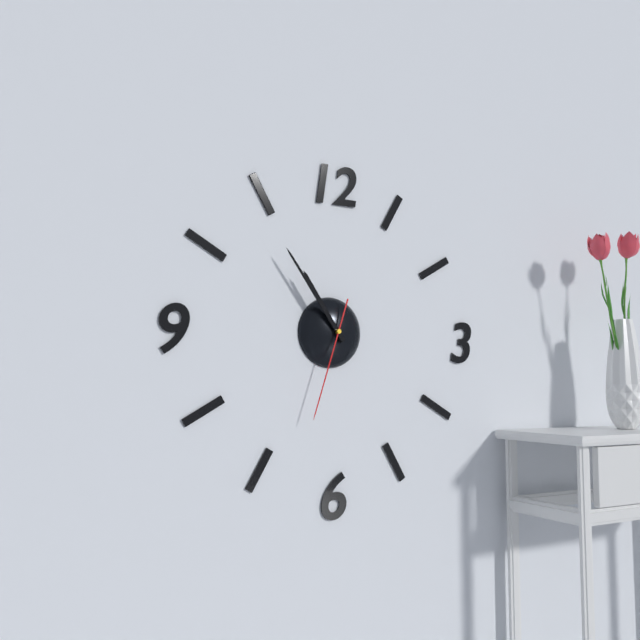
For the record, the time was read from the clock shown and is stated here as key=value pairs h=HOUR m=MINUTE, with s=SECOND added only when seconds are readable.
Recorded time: h=10 m=54 s=33
